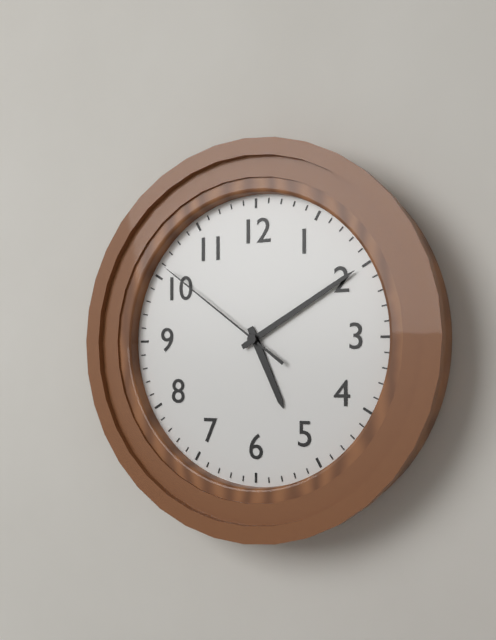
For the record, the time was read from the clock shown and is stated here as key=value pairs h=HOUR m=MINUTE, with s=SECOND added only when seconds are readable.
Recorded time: h=5 m=10 s=51
